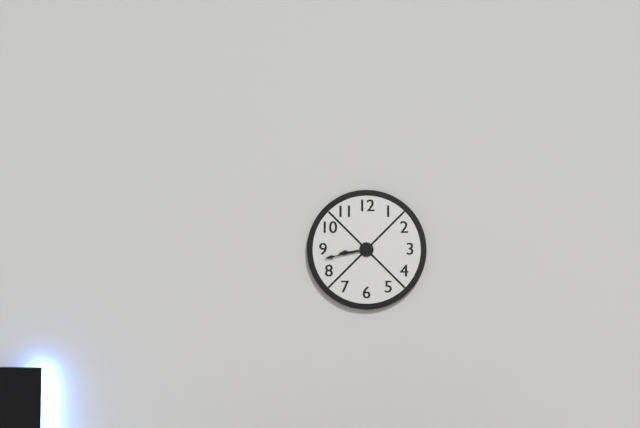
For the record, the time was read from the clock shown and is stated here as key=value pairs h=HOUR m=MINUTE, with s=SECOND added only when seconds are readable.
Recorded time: h=8 m=43
